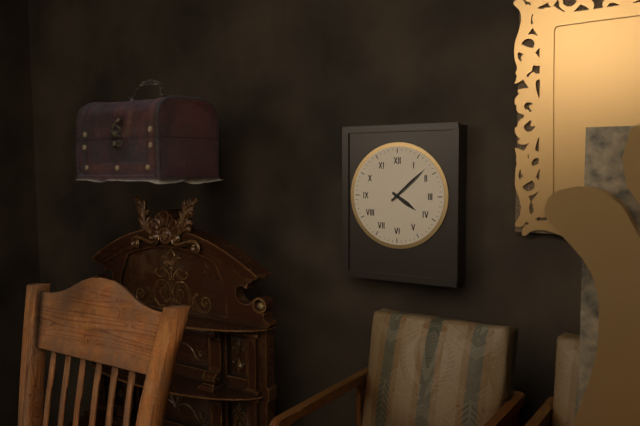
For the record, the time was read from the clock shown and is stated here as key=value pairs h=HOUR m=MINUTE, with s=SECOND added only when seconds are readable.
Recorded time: h=4 m=8
